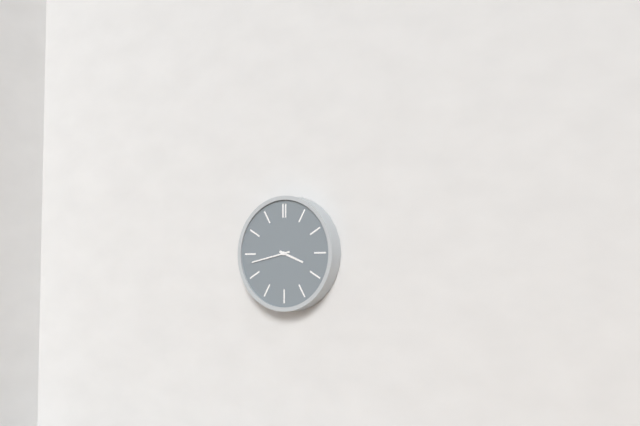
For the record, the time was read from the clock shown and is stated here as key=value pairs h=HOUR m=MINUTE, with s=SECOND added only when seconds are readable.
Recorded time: h=3 m=43
